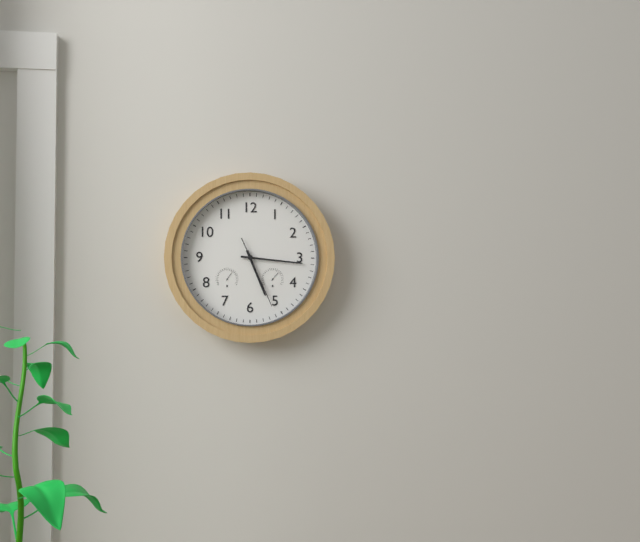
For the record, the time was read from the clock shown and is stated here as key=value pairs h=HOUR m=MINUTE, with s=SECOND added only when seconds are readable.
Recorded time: h=5 m=16 s=26
